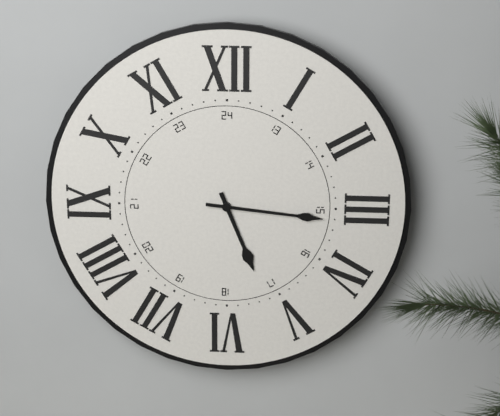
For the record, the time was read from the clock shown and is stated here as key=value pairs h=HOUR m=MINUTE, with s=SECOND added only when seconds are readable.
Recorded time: h=5 m=16
